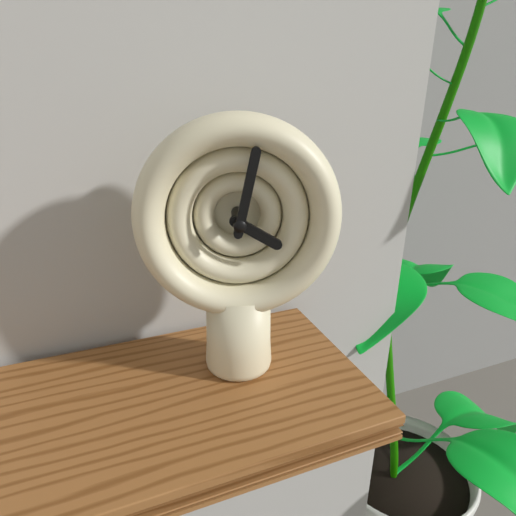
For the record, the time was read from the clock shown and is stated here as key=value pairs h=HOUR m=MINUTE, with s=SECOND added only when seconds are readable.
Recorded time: h=4 m=2
